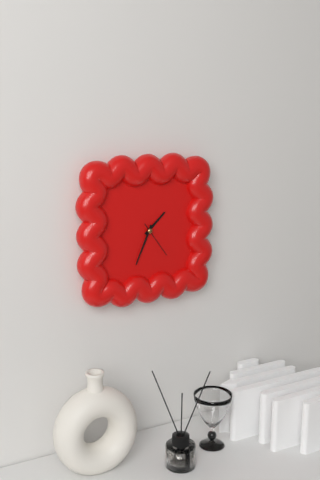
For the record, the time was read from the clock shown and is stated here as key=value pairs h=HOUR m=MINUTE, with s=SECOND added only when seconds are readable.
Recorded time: h=1 m=34
